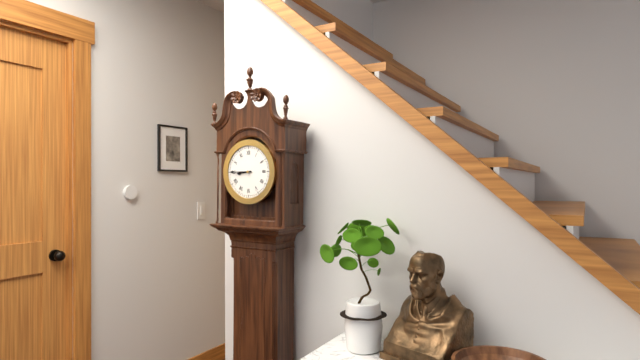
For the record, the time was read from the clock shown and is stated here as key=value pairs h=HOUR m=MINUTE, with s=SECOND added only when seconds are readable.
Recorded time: h=8 m=45
